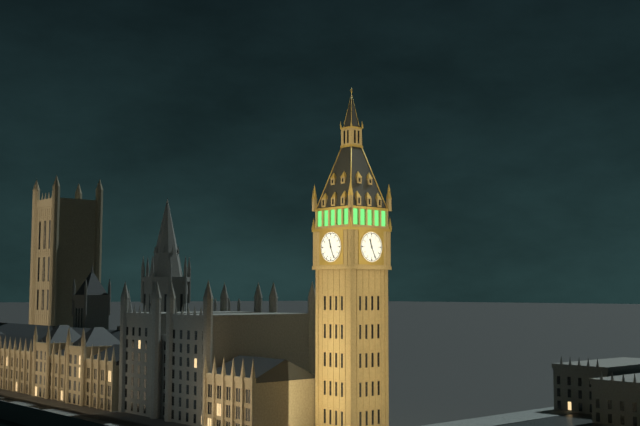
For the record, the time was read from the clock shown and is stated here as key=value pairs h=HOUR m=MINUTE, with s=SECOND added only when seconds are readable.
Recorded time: h=11 m=26
